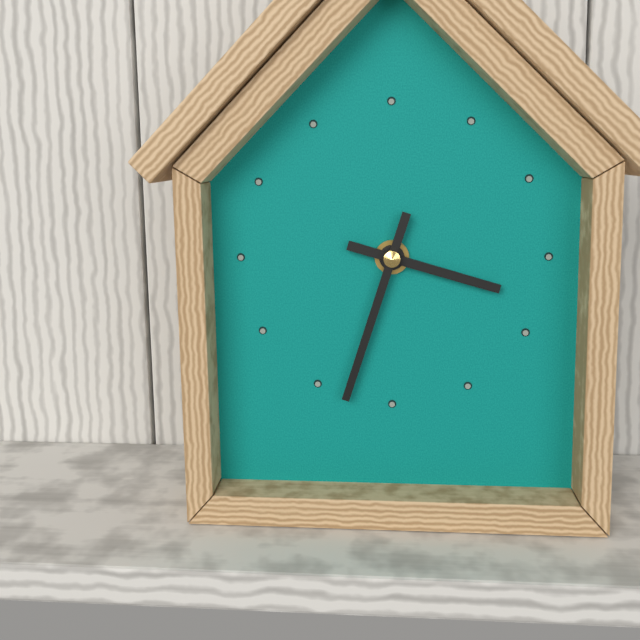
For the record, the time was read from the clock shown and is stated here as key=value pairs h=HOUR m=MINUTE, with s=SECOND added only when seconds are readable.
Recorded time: h=3 m=33
